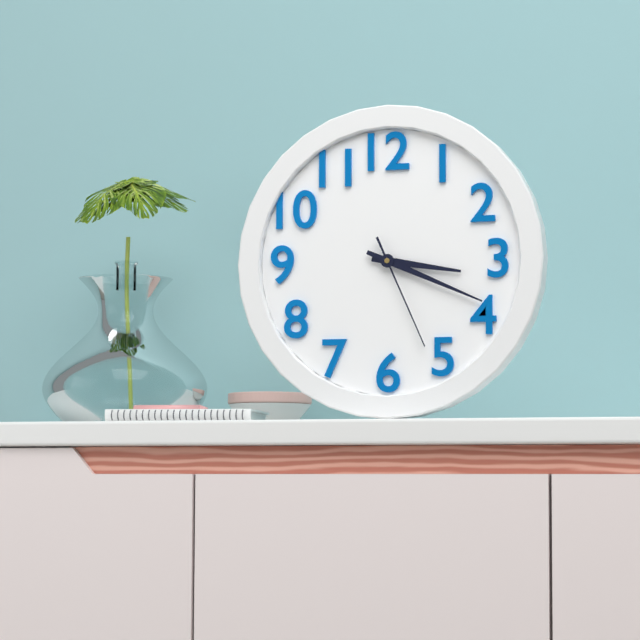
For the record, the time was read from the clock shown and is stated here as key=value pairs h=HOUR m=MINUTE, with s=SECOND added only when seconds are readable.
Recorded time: h=3 m=19 s=26
